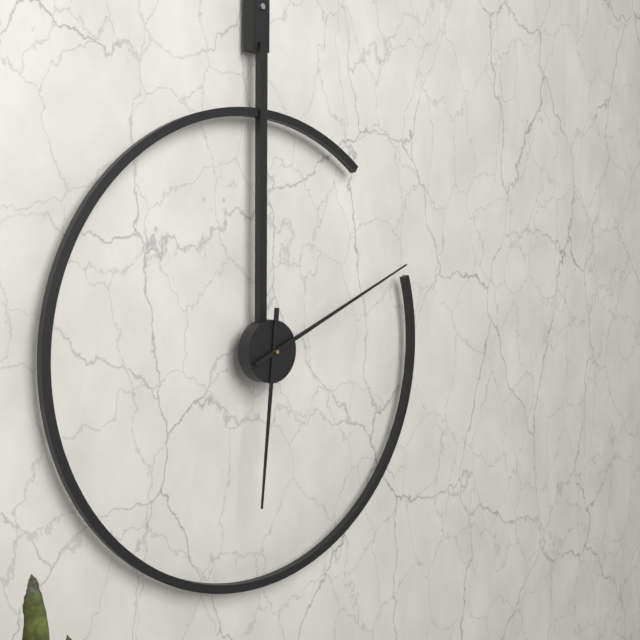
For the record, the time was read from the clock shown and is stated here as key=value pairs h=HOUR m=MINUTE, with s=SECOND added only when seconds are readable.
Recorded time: h=6 m=11
